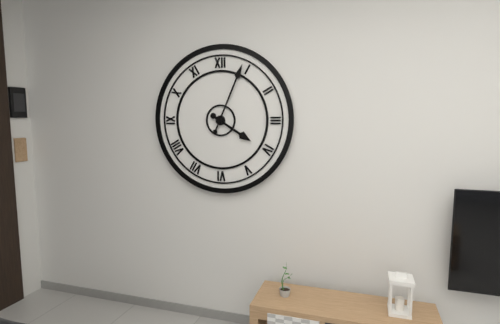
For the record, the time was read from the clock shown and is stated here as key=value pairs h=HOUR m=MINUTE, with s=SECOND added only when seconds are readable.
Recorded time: h=4 m=4
